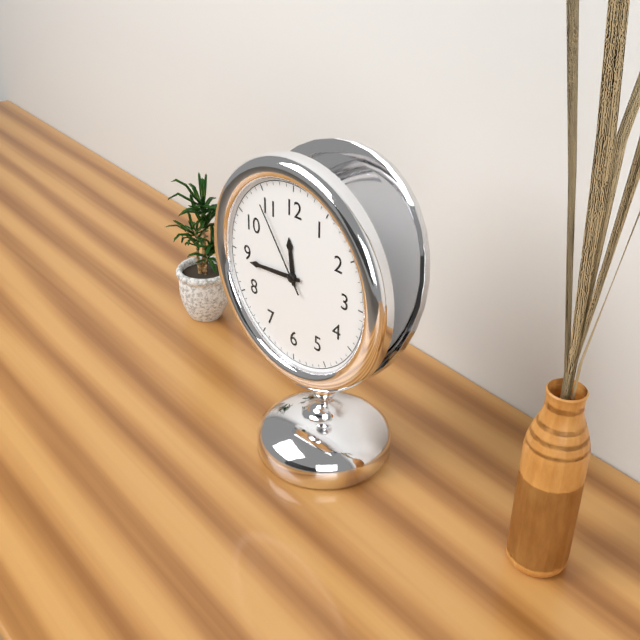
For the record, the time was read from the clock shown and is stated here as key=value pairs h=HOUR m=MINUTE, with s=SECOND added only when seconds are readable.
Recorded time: h=11 m=44 s=54
